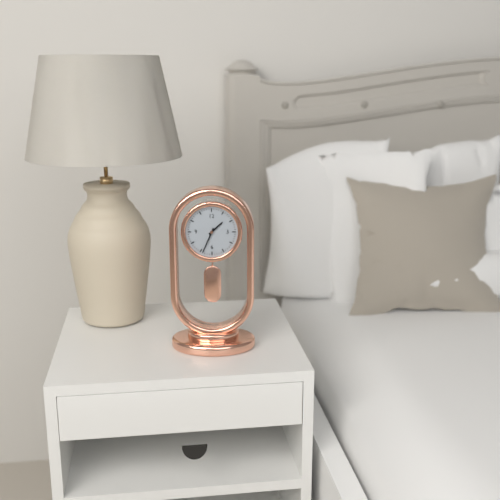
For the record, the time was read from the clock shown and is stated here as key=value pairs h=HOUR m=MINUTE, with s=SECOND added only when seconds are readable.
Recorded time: h=1 m=34
